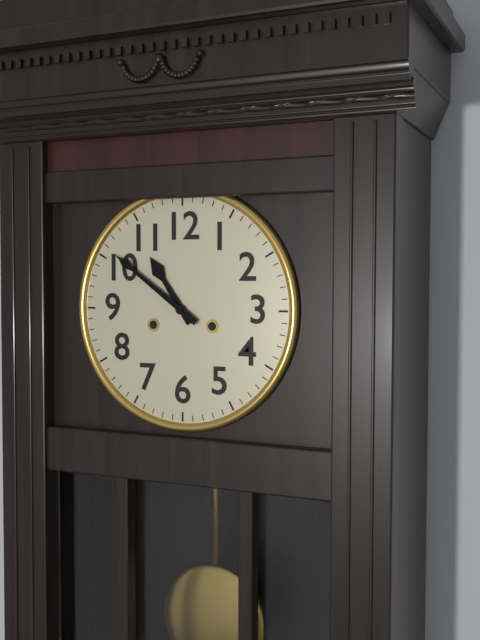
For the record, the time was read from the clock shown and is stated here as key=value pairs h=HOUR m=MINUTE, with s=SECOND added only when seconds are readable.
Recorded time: h=10 m=51
